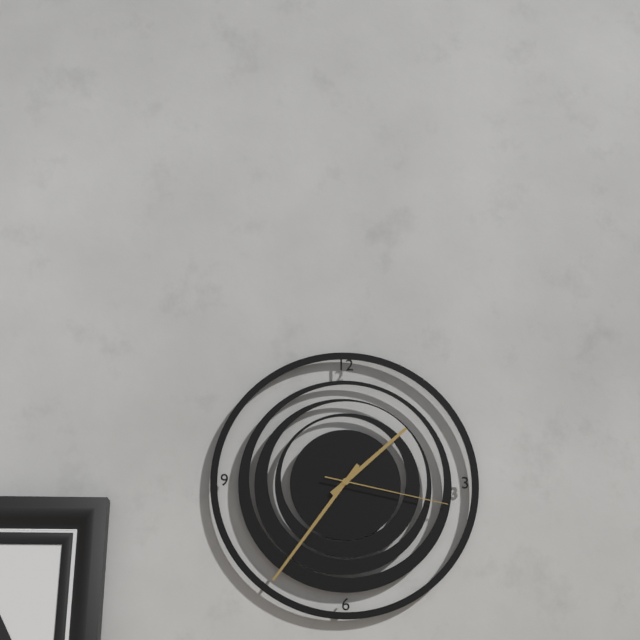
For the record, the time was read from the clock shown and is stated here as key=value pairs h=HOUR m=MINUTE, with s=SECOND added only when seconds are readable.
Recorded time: h=1 m=36 s=17
